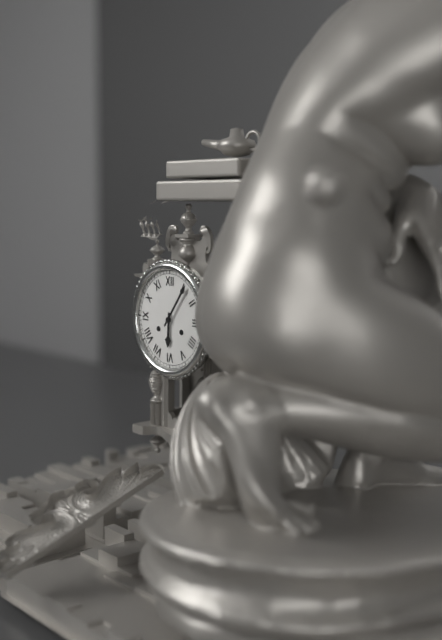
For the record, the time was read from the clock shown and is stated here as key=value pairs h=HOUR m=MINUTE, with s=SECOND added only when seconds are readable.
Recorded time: h=6 m=6
